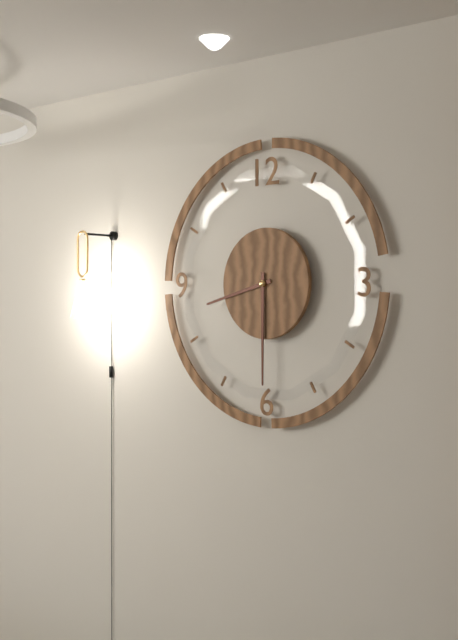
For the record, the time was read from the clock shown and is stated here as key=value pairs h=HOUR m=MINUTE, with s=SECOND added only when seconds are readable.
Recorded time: h=8 m=30
